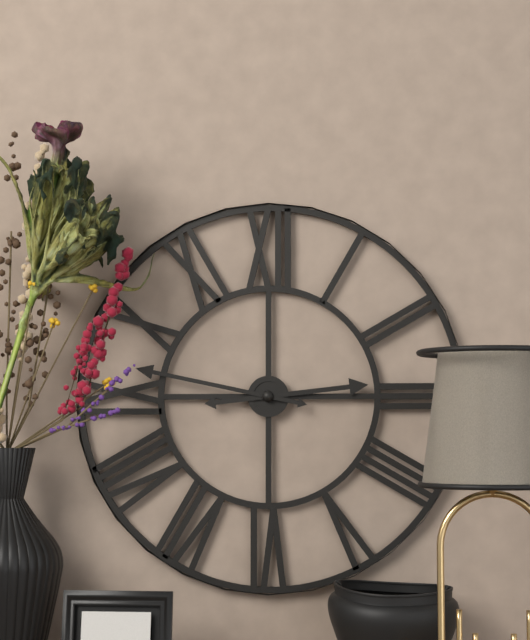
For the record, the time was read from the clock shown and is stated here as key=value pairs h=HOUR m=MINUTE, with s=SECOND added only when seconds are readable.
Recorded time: h=2 m=47
